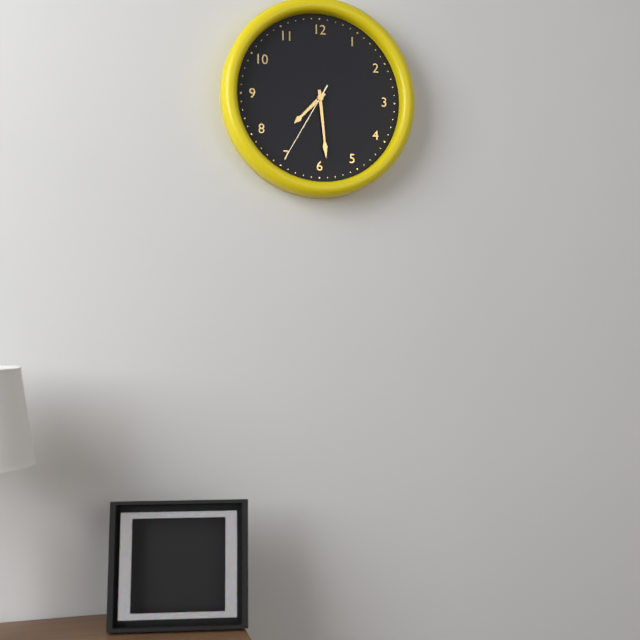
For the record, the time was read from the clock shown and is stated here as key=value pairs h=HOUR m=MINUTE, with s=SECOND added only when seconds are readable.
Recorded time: h=7 m=29 s=35
